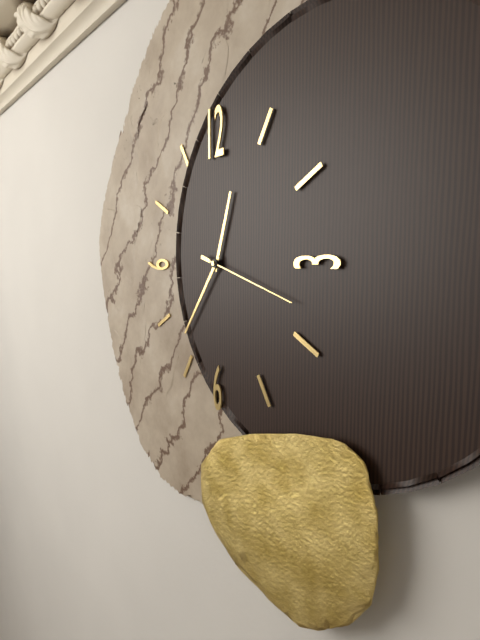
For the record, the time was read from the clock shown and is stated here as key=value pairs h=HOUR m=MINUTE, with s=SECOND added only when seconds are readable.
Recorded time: h=12 m=36 s=18
